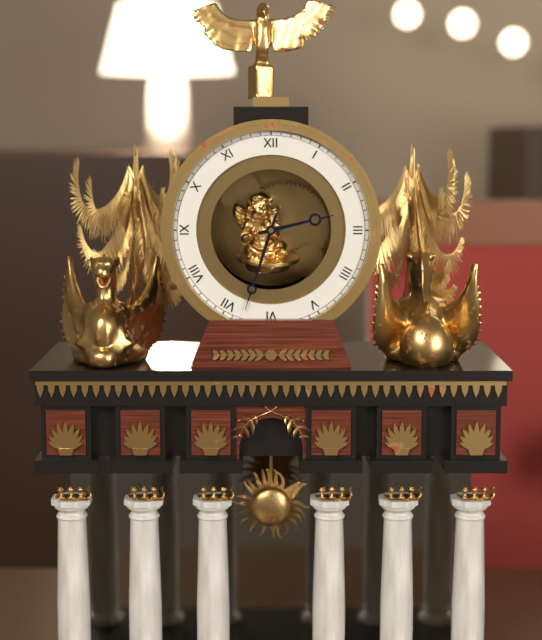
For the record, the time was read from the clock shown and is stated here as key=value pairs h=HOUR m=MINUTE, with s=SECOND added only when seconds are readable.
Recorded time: h=2 m=33
